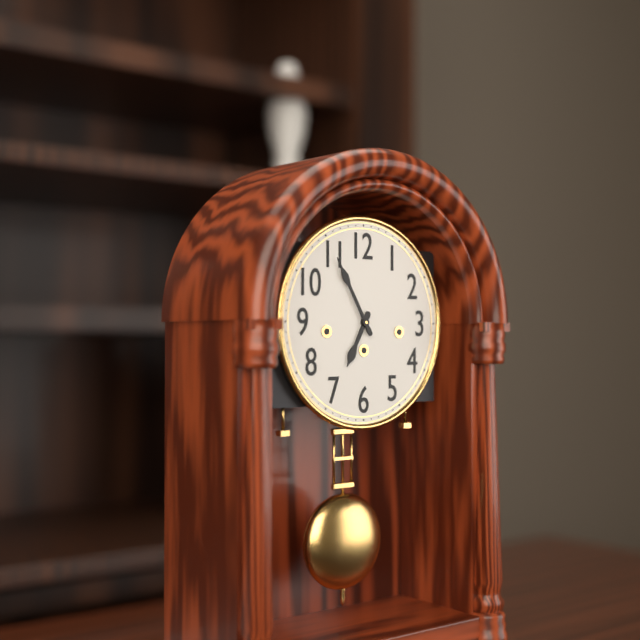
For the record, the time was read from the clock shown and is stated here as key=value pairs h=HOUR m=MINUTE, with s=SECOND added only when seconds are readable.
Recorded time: h=6 m=55
